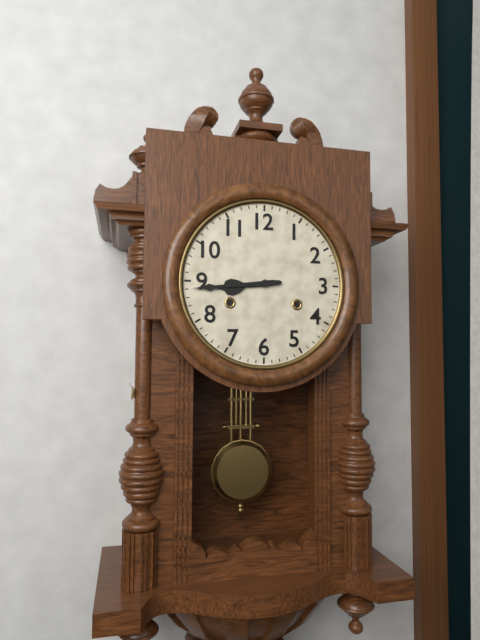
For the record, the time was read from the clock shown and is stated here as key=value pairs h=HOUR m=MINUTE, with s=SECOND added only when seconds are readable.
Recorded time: h=8 m=44
